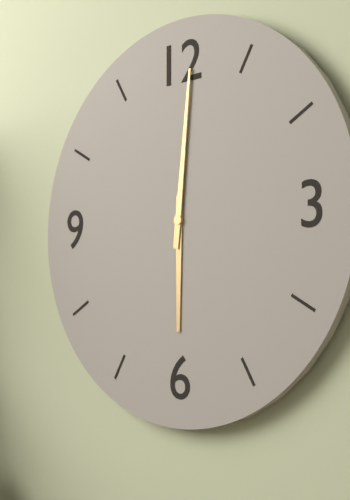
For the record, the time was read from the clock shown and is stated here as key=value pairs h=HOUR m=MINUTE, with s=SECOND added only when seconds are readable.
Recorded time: h=6 m=1
